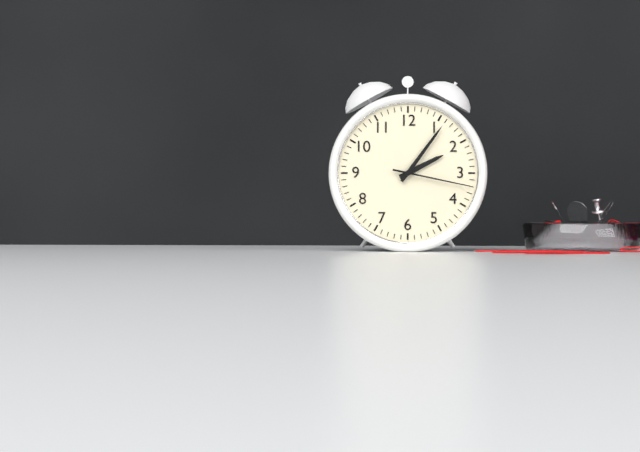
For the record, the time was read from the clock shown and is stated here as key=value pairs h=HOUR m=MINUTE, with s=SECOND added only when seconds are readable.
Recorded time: h=2 m=6 s=17
